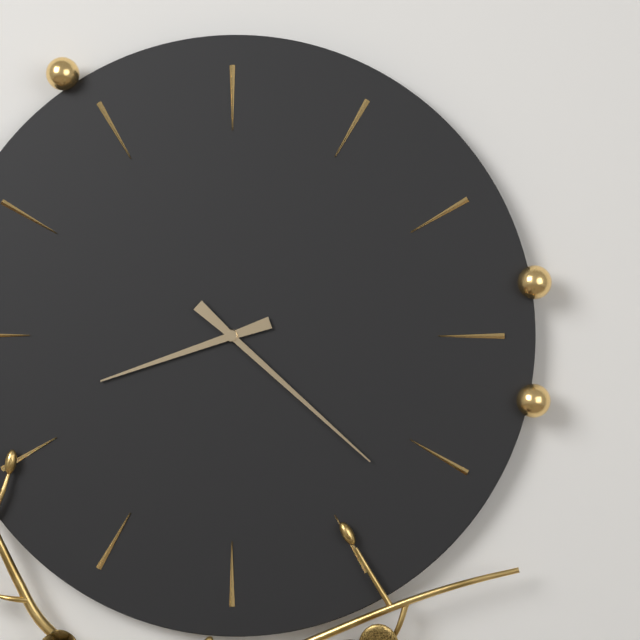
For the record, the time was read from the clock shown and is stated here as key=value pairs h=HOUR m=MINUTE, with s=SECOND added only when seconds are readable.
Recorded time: h=8 m=22
